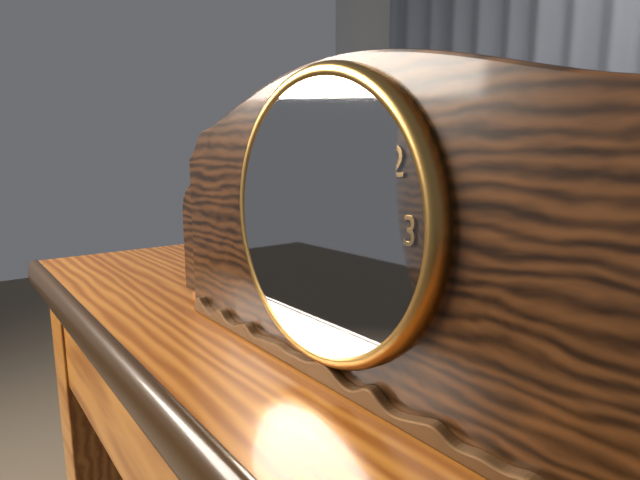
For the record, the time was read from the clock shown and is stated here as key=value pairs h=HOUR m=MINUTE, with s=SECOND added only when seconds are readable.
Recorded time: h=11 m=4
